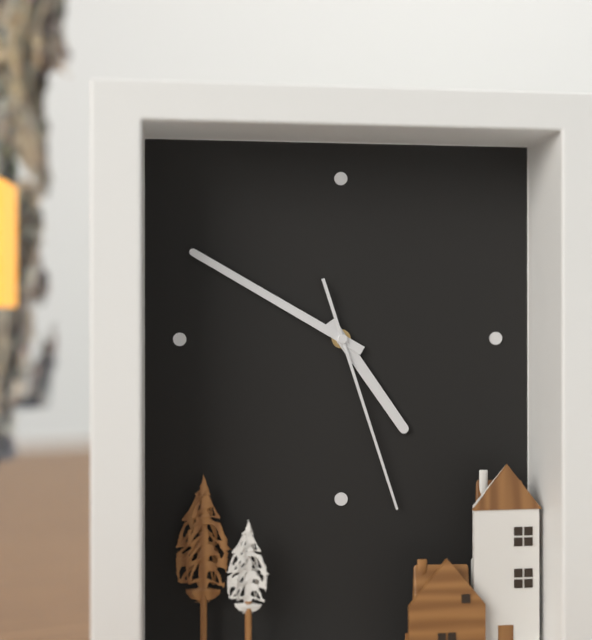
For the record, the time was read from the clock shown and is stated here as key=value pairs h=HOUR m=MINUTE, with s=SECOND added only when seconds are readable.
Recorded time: h=4 m=50 s=27
